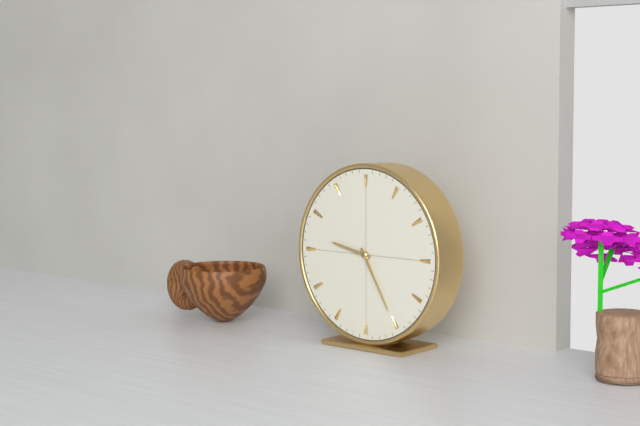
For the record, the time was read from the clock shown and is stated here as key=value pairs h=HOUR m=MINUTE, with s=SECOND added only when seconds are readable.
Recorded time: h=9 m=25
